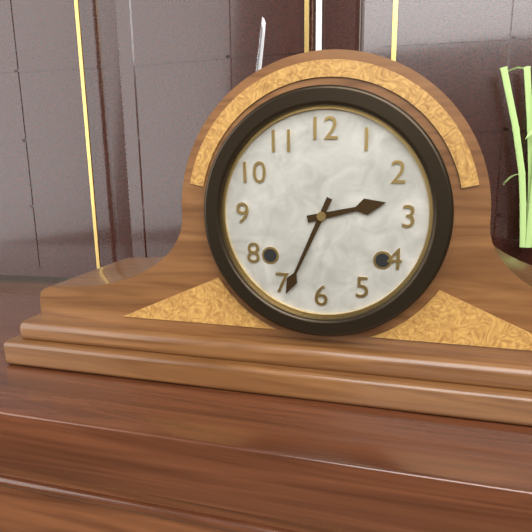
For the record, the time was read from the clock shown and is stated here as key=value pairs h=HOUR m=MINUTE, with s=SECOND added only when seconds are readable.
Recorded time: h=2 m=34
